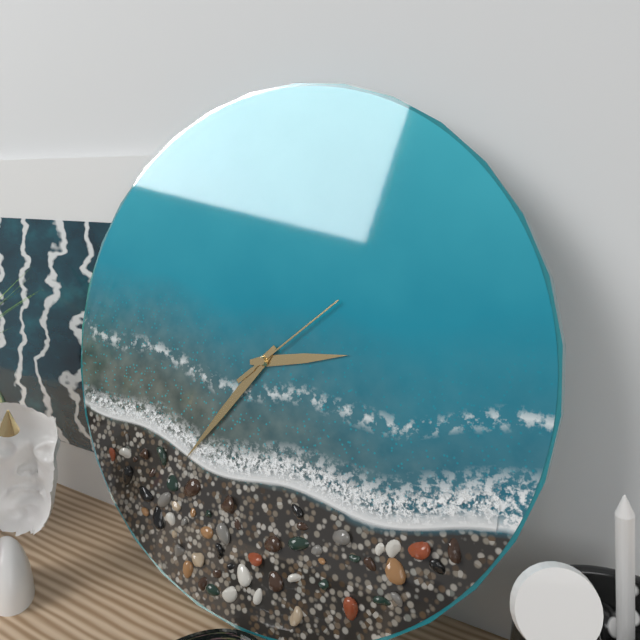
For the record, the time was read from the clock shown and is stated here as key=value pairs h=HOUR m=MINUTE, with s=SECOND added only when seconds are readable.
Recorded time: h=2 m=36 s=8
